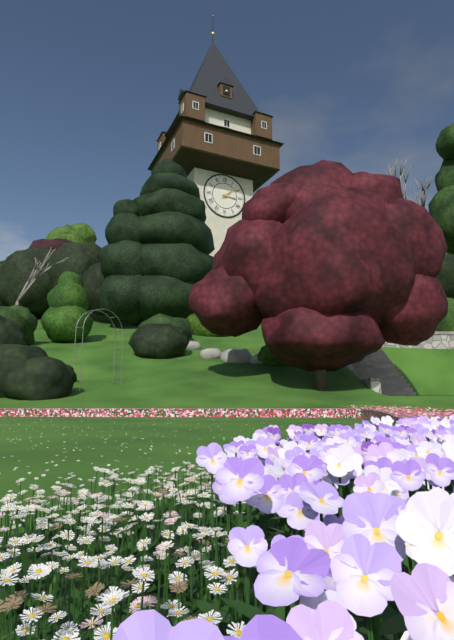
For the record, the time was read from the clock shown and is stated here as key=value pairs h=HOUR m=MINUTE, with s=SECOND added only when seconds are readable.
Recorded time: h=3 m=8
